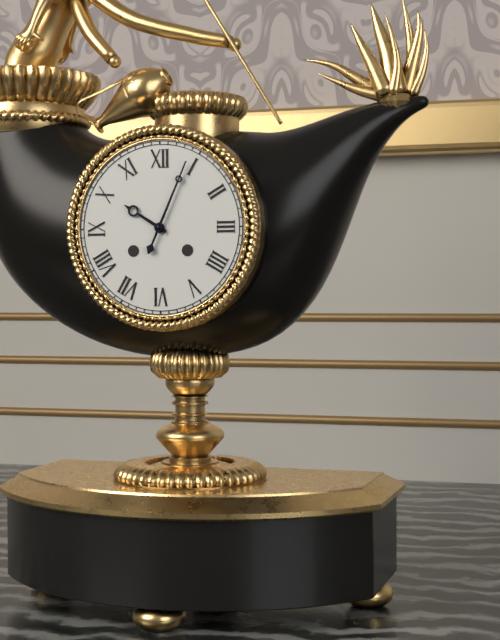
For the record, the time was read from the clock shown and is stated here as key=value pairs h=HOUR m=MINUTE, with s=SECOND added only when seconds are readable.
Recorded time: h=10 m=4
